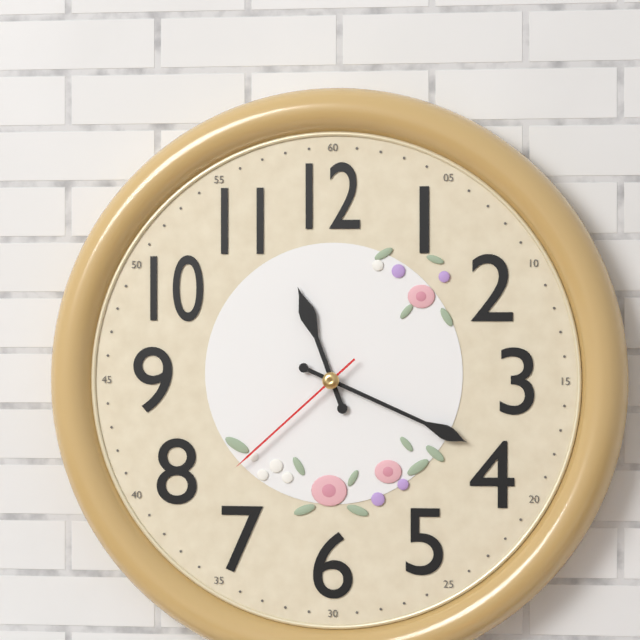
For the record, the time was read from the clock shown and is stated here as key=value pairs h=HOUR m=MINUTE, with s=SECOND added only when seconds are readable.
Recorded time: h=11 m=19 s=38
